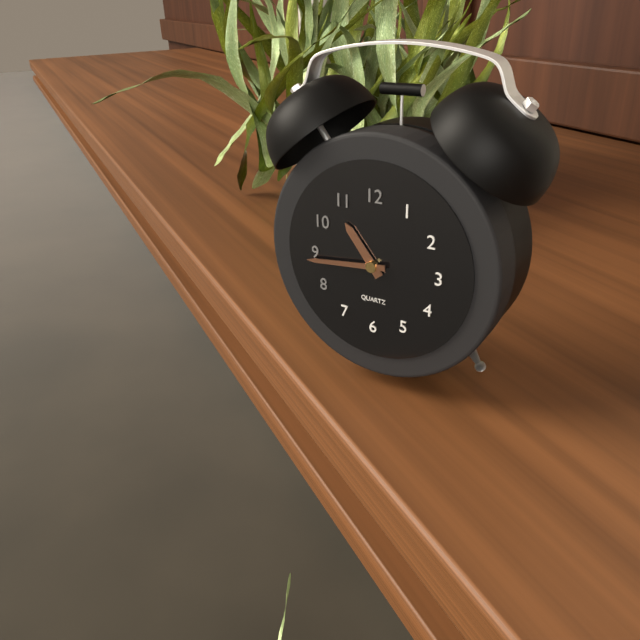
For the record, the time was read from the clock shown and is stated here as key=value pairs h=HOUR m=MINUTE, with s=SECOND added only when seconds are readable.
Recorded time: h=10 m=44
